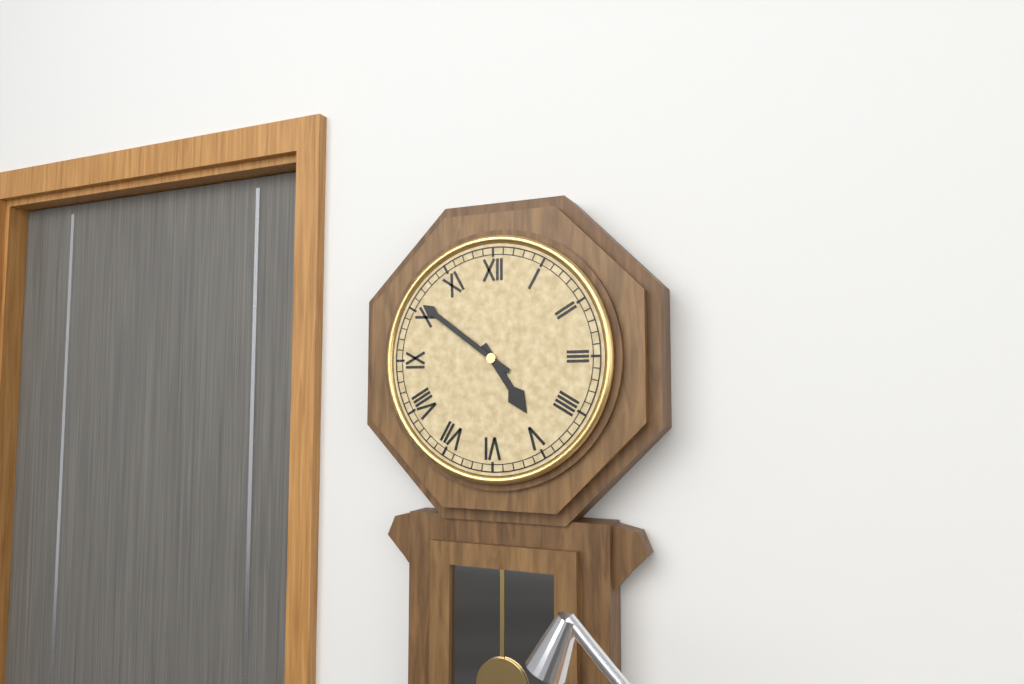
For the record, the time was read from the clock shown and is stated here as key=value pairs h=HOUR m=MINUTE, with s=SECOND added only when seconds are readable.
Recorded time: h=4 m=51
